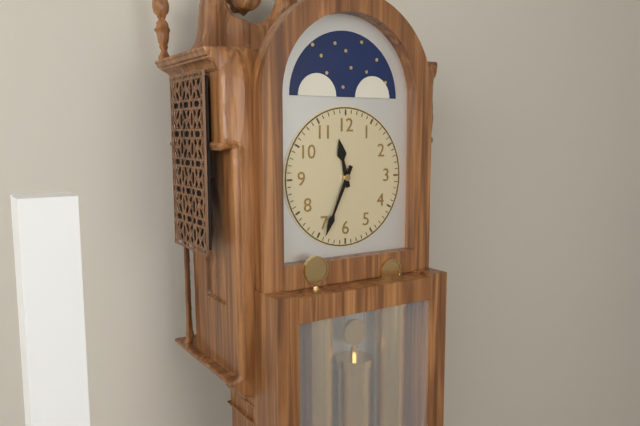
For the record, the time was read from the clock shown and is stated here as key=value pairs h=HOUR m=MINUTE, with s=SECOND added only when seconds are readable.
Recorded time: h=11 m=34
